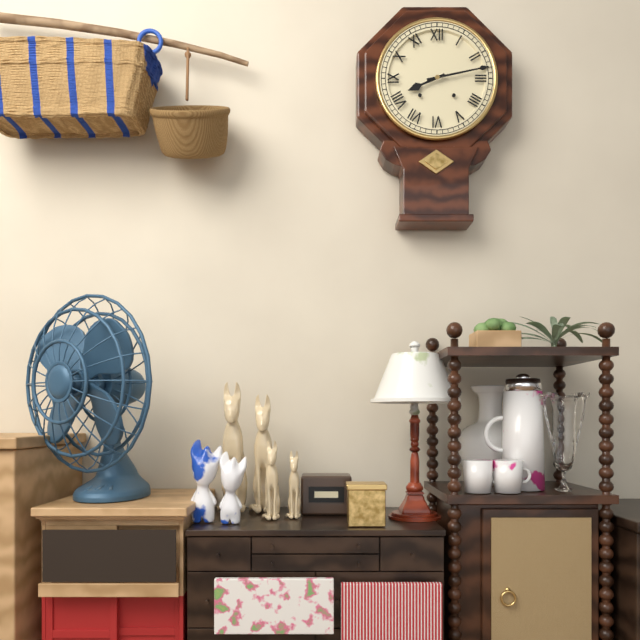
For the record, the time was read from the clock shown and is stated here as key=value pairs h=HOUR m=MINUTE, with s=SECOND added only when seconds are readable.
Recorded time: h=8 m=13
